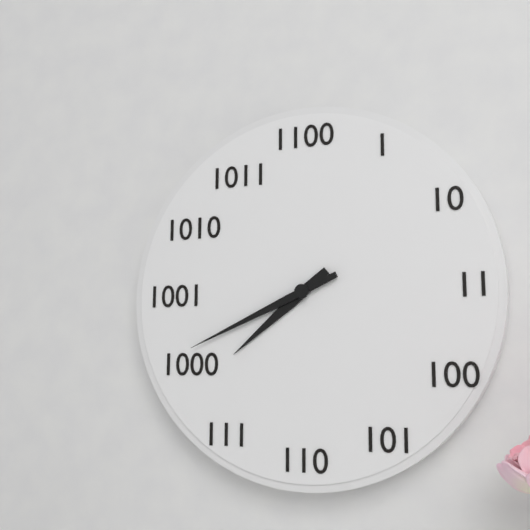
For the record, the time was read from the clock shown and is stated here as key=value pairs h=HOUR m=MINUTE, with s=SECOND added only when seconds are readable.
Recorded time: h=7 m=41
